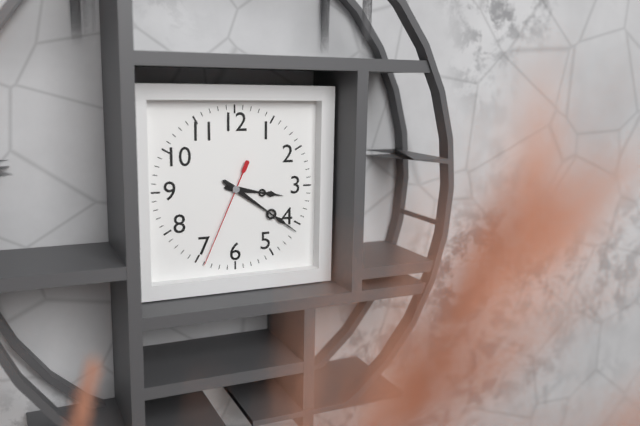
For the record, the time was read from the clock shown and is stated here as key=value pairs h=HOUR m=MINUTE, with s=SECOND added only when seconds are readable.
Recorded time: h=3 m=21 s=34
